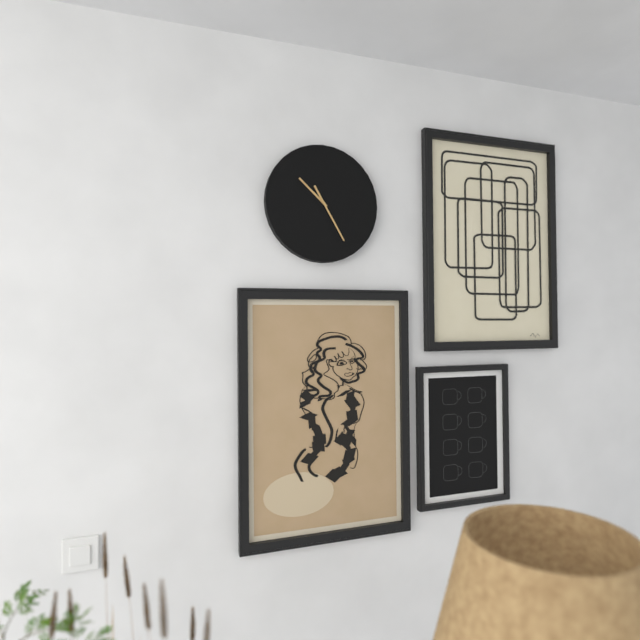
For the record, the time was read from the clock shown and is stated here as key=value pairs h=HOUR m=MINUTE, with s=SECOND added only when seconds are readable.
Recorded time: h=10 m=25
